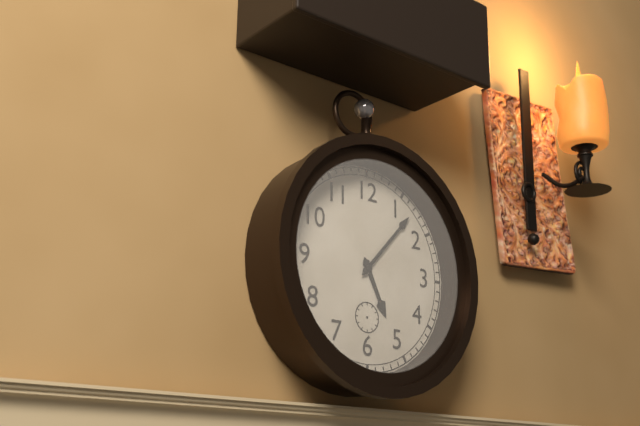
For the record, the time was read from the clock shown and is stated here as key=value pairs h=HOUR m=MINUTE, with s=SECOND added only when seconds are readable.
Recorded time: h=5 m=7
